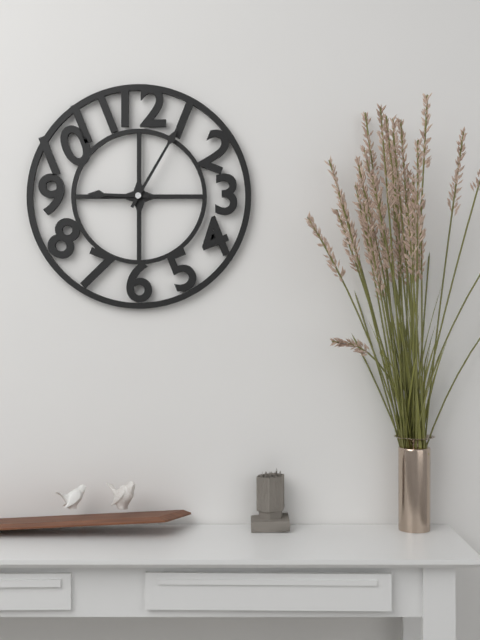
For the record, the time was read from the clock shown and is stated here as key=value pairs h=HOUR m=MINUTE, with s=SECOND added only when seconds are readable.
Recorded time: h=9 m=5
